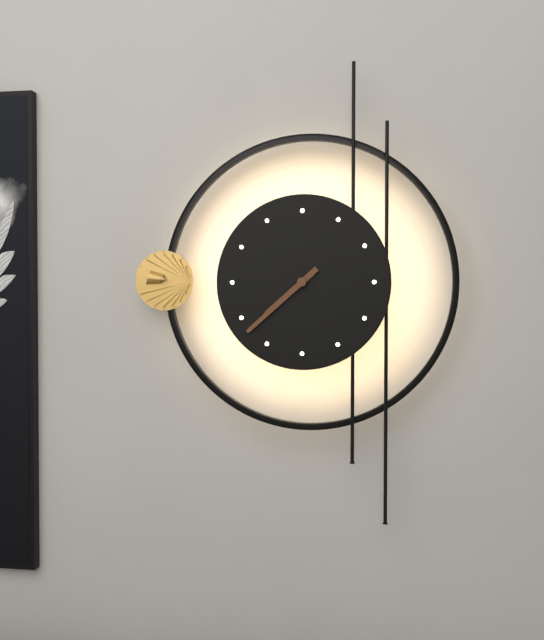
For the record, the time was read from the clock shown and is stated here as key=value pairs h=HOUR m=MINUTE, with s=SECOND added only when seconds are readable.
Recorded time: h=7 m=38
